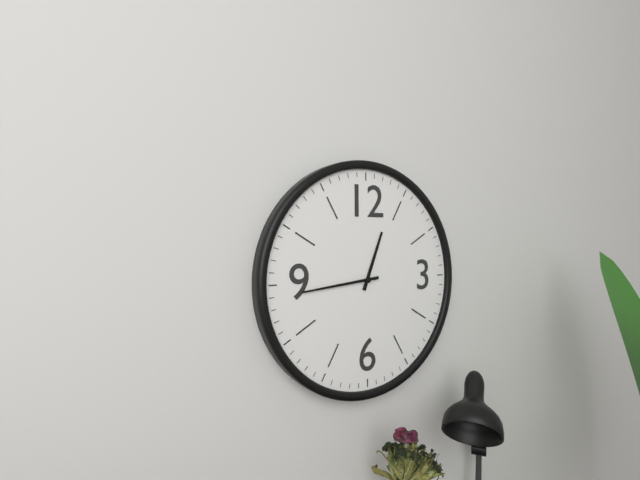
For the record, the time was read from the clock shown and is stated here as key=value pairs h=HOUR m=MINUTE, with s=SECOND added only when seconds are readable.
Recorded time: h=12 m=44
